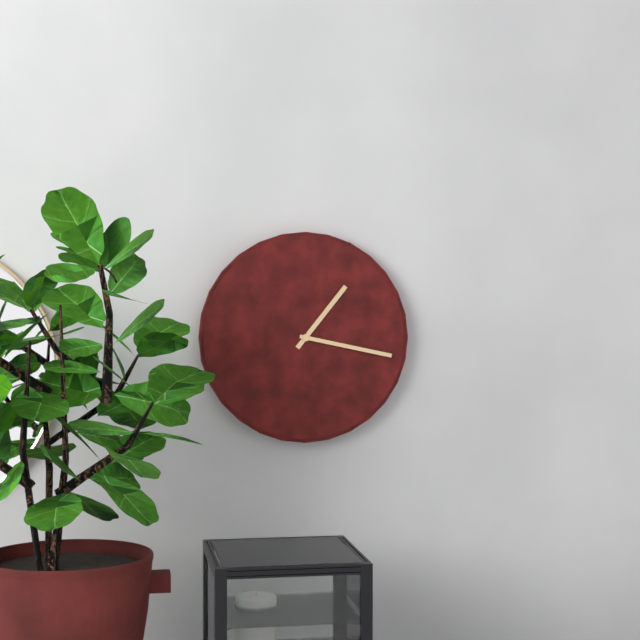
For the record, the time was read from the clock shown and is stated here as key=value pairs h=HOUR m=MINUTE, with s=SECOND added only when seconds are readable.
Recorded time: h=1 m=17
